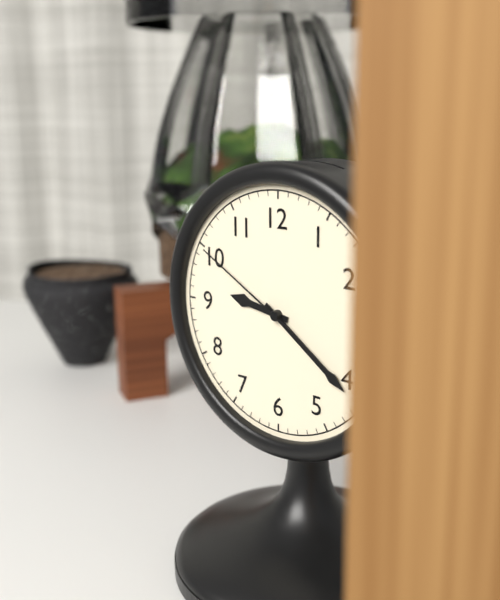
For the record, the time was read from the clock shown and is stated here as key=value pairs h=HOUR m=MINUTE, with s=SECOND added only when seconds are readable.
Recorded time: h=9 m=21 s=50
